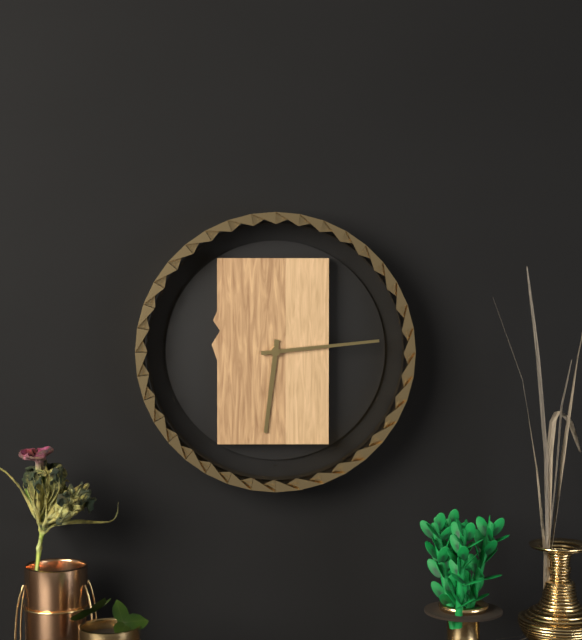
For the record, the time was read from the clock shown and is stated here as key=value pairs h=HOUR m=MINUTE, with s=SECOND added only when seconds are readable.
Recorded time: h=6 m=14
